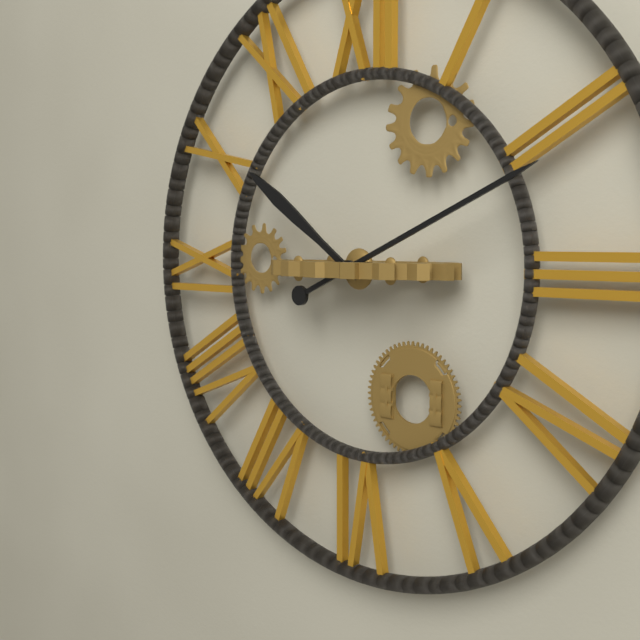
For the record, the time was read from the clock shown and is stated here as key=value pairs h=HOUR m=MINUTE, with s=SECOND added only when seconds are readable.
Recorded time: h=10 m=11
